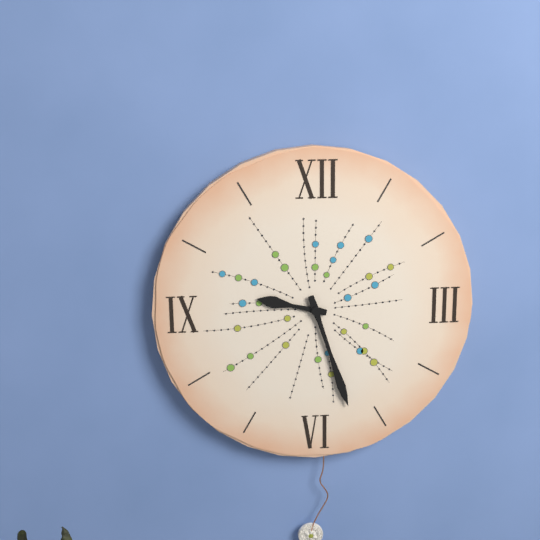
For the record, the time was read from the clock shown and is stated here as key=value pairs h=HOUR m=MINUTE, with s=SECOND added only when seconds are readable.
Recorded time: h=9 m=27
